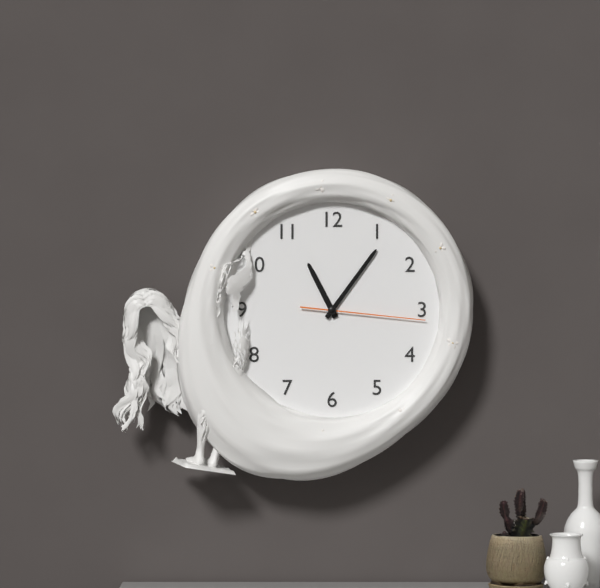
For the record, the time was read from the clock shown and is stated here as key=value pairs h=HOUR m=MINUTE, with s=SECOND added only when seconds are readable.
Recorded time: h=11 m=6 s=16
